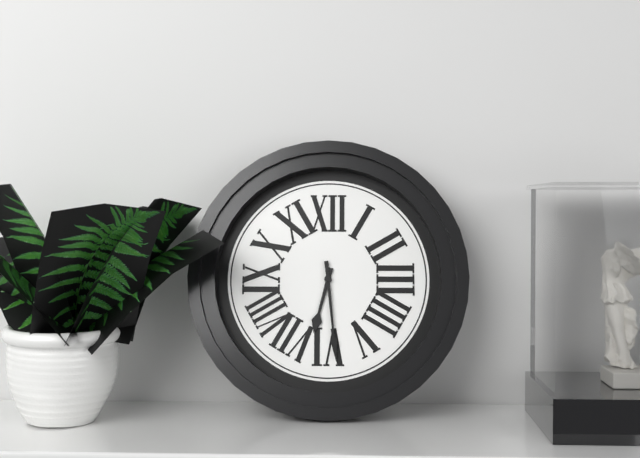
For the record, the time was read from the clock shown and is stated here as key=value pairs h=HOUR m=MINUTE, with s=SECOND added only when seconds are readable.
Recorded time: h=6 m=29
